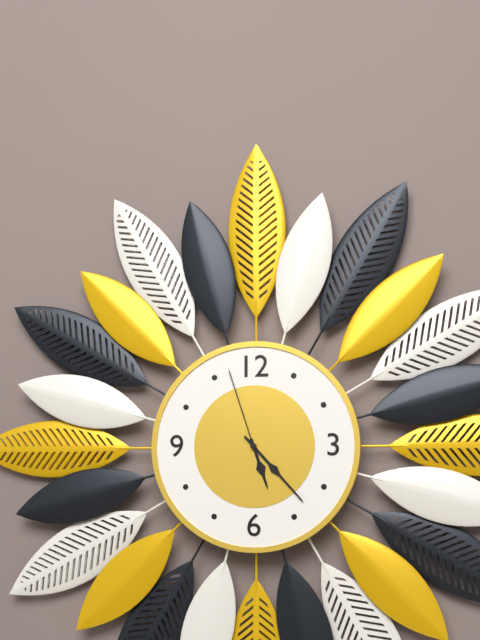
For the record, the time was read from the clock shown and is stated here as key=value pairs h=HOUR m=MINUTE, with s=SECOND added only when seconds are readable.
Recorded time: h=5 m=23 s=57
